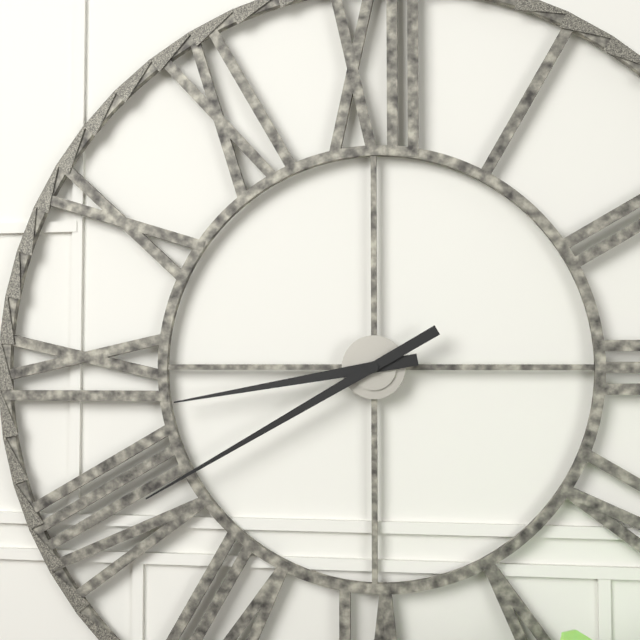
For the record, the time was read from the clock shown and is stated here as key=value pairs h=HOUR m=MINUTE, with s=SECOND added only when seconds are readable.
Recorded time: h=8 m=40
